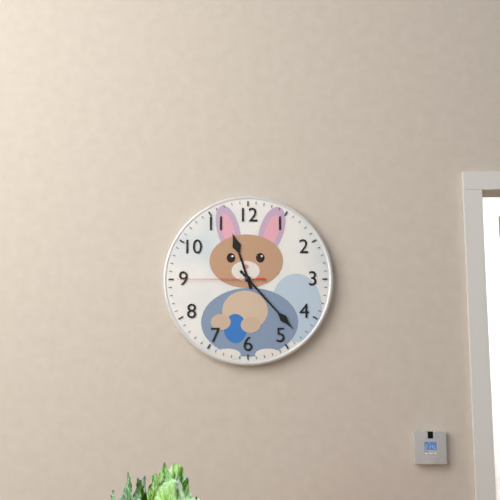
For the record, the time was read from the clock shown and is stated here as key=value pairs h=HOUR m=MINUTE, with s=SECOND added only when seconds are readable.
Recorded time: h=11 m=23 s=45
